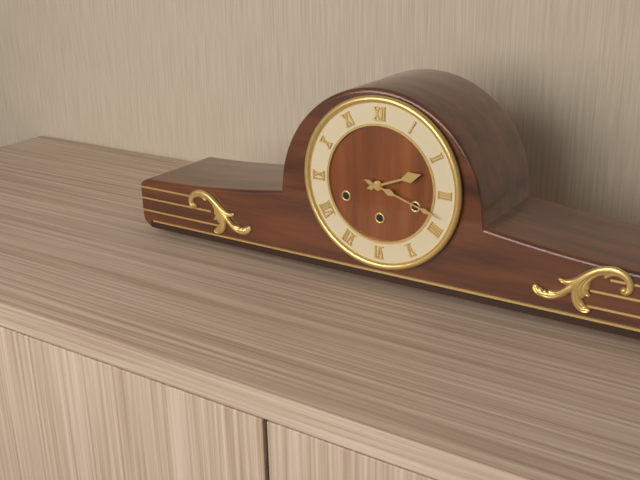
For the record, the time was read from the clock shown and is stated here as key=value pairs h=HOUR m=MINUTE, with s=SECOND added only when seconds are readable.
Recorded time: h=2 m=18
